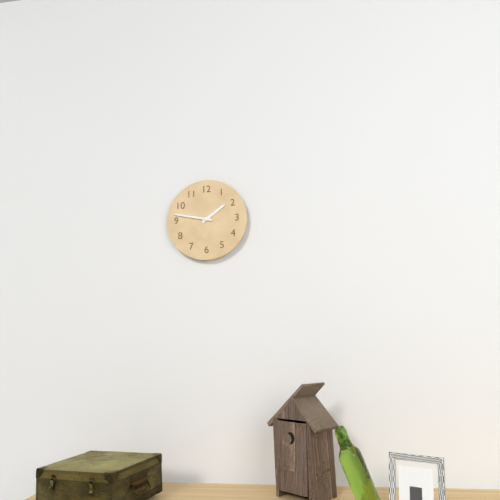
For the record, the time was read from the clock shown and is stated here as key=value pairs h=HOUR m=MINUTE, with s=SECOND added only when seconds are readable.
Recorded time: h=1 m=47
